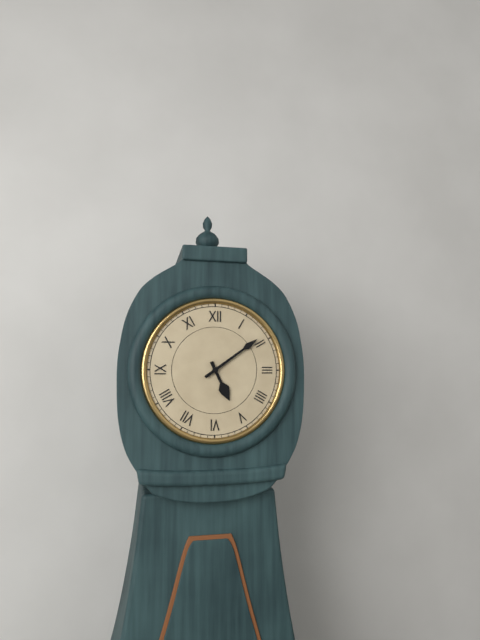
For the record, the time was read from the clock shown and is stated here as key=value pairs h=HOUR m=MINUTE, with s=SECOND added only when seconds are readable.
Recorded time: h=5 m=9
